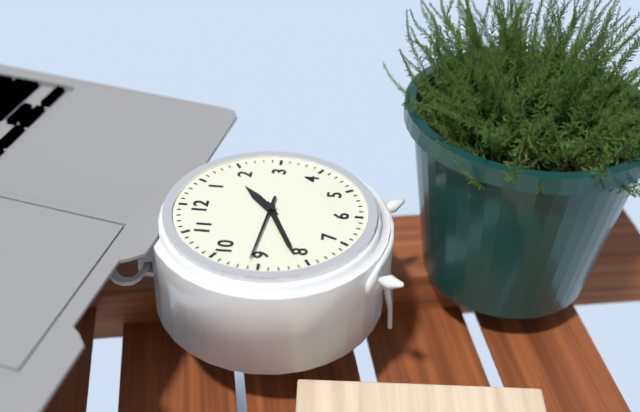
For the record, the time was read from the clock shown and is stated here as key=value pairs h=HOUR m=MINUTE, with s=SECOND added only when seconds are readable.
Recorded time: h=1 m=41 s=46
